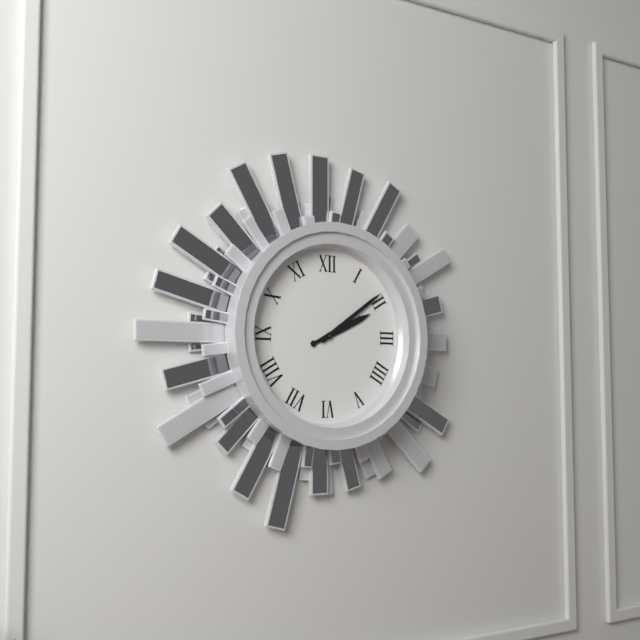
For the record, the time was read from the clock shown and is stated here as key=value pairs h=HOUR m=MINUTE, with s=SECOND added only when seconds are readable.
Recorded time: h=2 m=9
